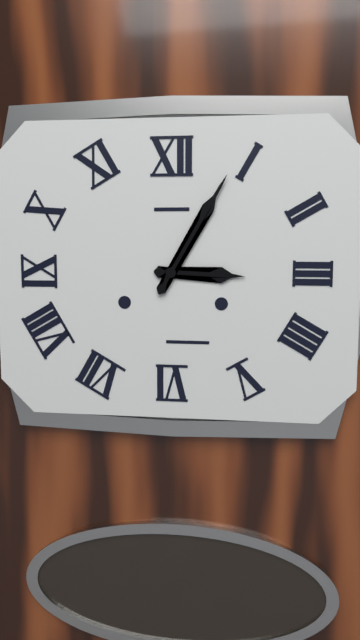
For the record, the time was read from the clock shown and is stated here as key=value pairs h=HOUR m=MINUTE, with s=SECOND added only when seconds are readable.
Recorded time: h=3 m=5
